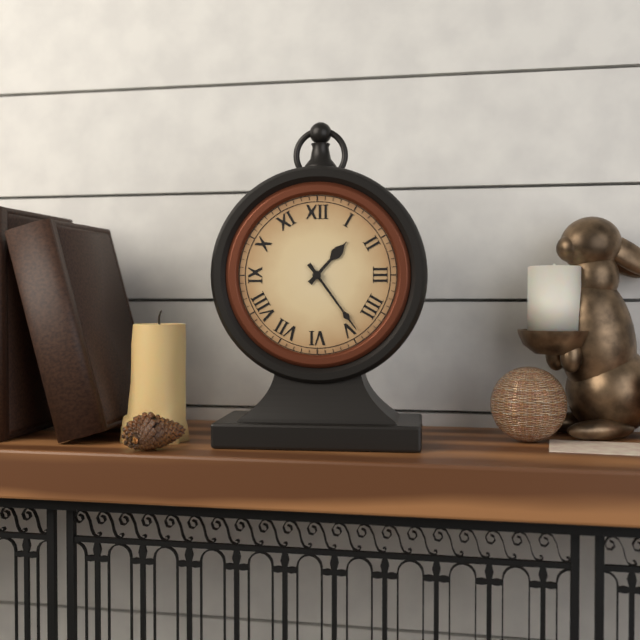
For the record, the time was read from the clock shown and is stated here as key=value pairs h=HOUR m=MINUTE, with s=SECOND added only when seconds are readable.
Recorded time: h=1 m=24
